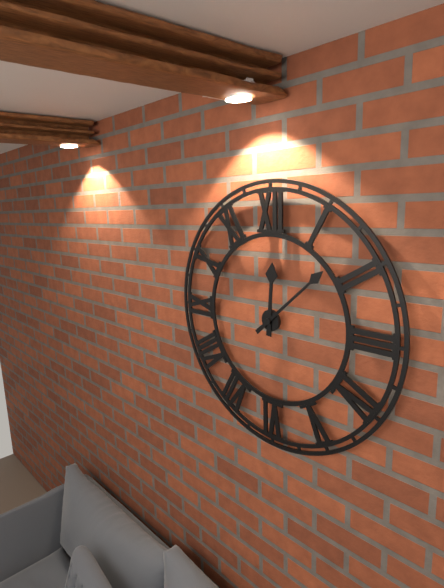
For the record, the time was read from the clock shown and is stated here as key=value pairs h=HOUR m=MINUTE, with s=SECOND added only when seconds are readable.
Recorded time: h=12 m=8
